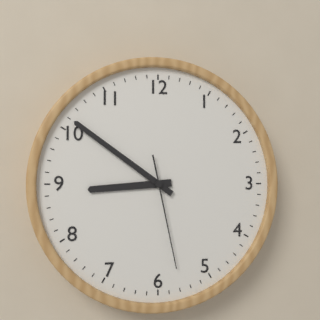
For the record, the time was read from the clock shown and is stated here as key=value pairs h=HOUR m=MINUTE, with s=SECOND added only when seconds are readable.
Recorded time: h=8 m=51 s=28
